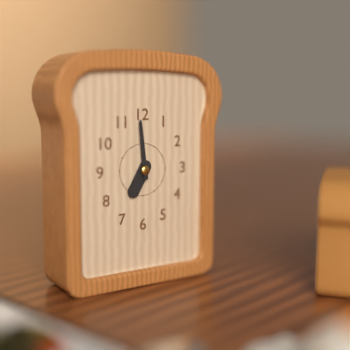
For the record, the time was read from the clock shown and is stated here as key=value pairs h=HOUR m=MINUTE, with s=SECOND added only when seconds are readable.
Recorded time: h=6 m=59
